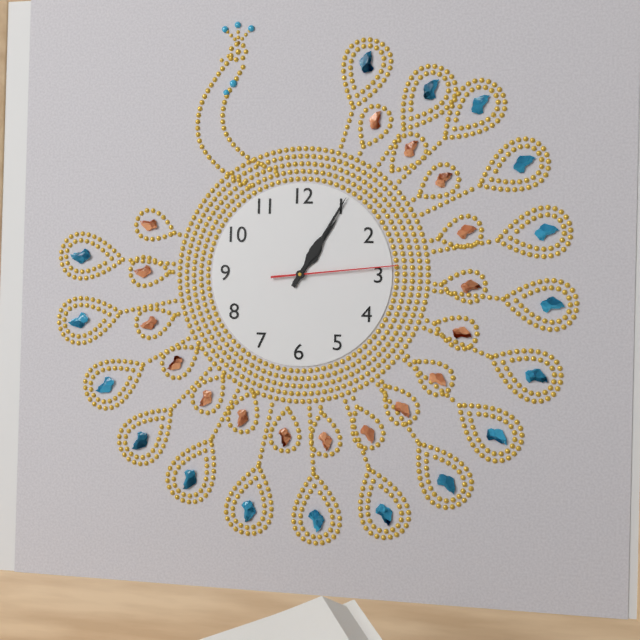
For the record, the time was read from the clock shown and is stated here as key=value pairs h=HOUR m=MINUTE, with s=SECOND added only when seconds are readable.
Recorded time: h=1 m=5 s=14
